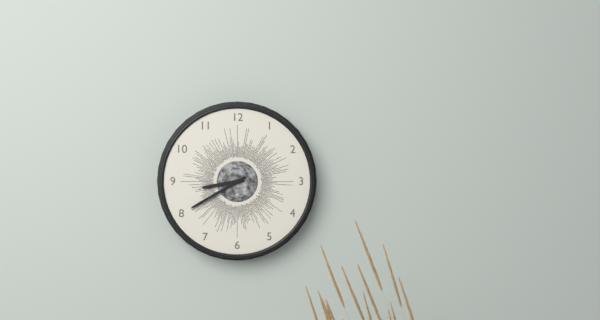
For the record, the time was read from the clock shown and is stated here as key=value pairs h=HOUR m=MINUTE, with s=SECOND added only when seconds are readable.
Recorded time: h=8 m=40
